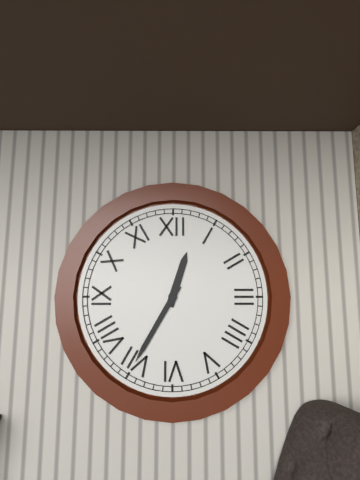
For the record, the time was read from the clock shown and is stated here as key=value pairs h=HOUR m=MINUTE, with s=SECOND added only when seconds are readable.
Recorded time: h=12 m=35
